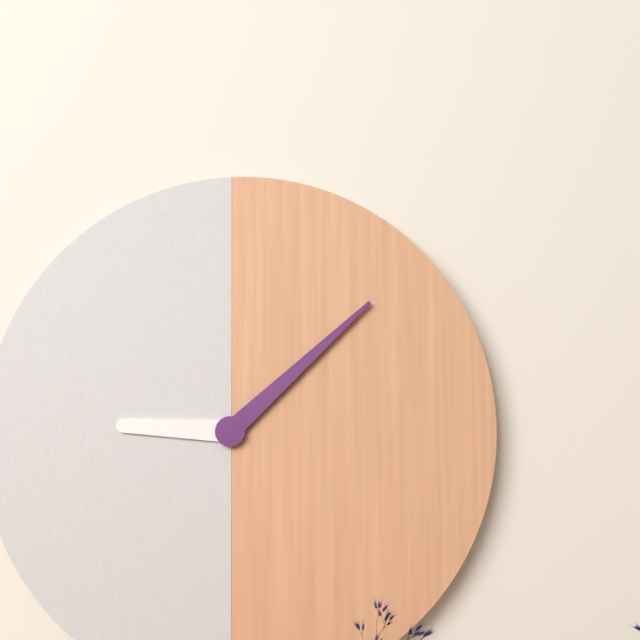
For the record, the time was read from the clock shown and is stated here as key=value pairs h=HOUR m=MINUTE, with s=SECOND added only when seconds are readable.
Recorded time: h=9 m=8
